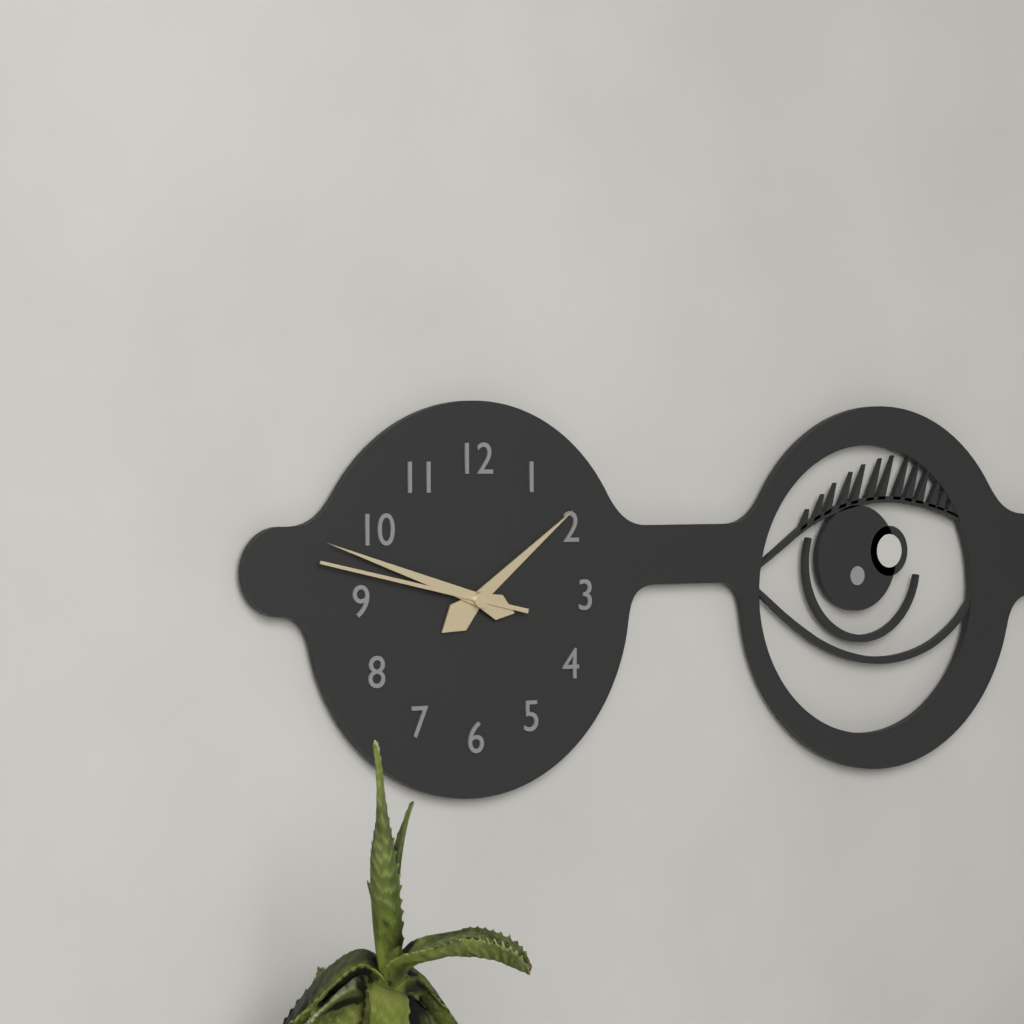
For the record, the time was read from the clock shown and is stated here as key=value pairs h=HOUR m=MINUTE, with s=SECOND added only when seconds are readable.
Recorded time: h=1 m=48 s=47
